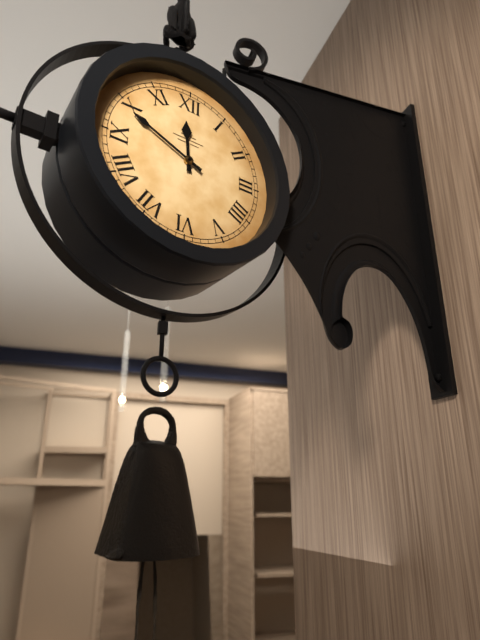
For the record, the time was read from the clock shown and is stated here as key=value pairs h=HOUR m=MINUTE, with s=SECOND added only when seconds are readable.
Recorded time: h=11 m=49
